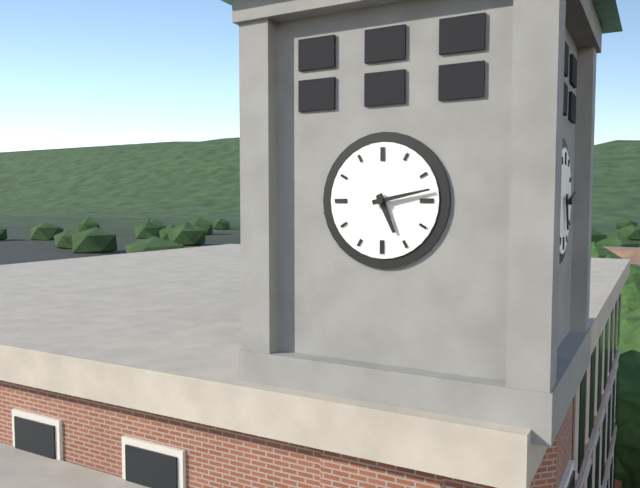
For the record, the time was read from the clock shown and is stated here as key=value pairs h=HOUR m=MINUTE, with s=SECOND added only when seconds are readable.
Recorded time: h=5 m=13
